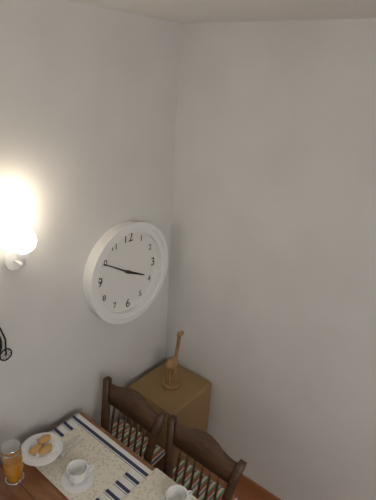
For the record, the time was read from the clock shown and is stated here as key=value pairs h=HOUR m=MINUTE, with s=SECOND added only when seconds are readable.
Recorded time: h=3 m=50
